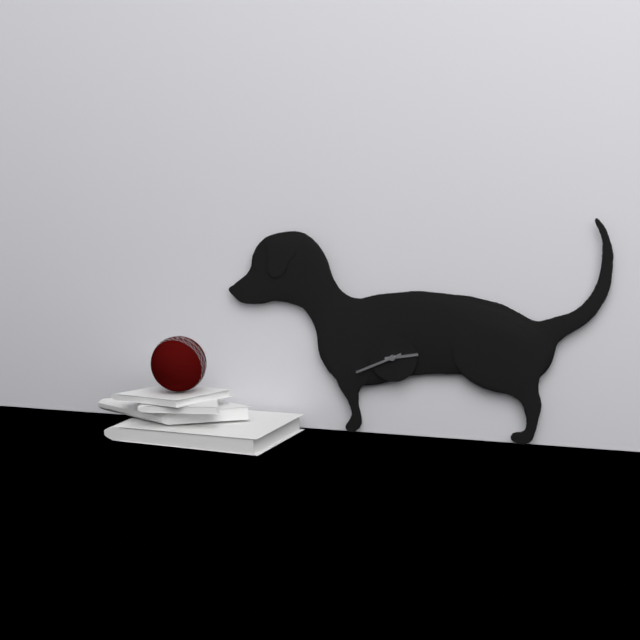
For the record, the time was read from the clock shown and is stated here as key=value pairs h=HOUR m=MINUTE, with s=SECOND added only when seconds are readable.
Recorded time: h=2 m=41
